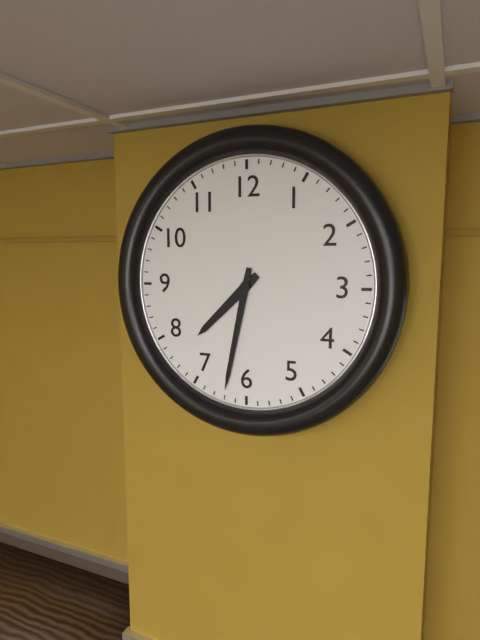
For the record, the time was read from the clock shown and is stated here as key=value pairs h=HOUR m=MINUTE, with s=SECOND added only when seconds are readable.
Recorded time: h=7 m=32
